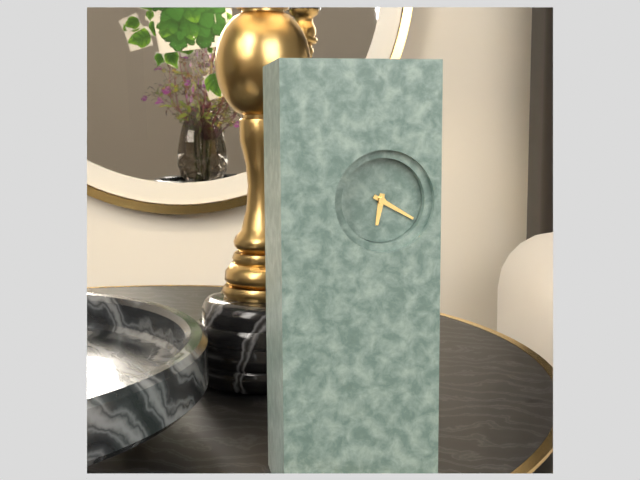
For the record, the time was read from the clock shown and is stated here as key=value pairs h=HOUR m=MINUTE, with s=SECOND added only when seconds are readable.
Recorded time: h=6 m=20
